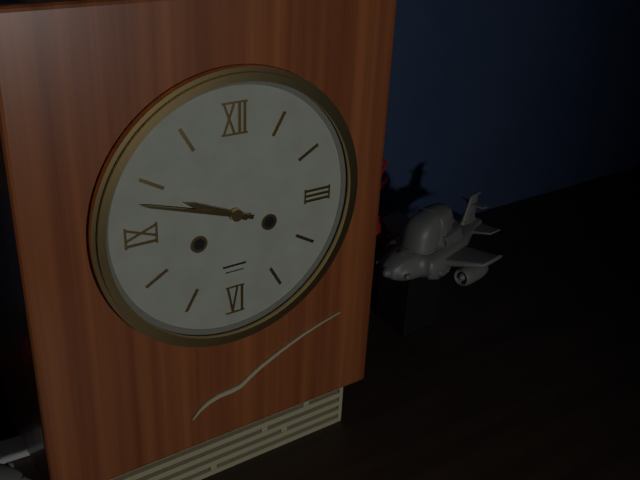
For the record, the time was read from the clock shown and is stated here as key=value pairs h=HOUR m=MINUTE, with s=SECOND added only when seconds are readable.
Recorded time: h=9 m=48
